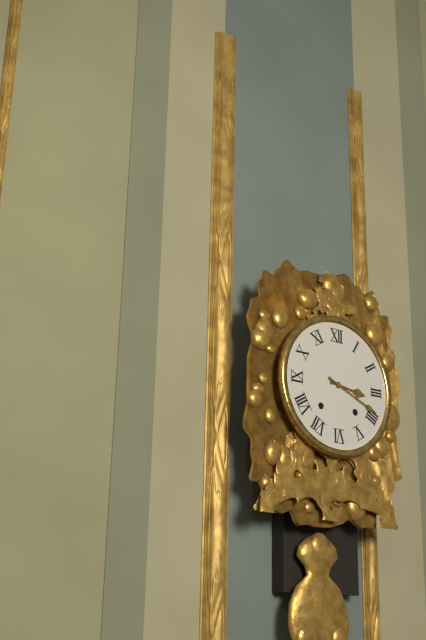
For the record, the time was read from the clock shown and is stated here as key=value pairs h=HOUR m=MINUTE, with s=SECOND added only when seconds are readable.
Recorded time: h=3 m=19
